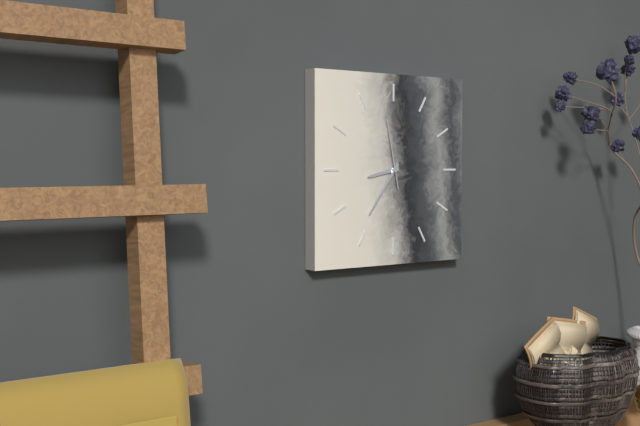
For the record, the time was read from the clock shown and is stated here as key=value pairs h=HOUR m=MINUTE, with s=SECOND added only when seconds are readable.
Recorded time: h=8 m=36 s=58
